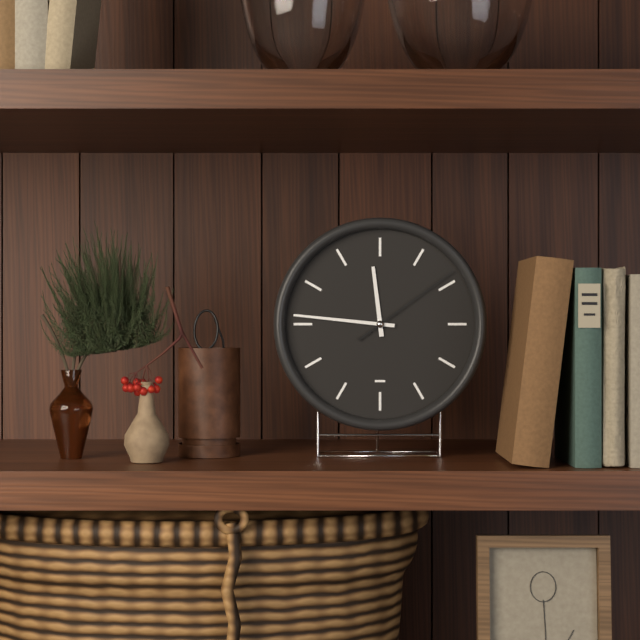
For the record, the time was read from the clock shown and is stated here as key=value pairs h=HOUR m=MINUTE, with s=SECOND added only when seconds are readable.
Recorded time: h=11 m=46 s=9
